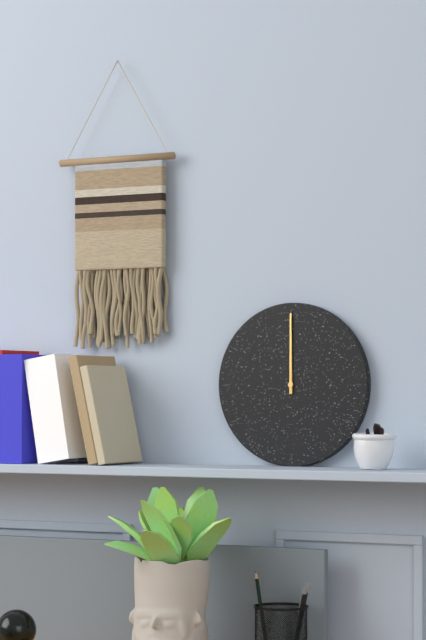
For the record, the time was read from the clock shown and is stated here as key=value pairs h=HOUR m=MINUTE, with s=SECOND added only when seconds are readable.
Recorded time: h=12 m=0
